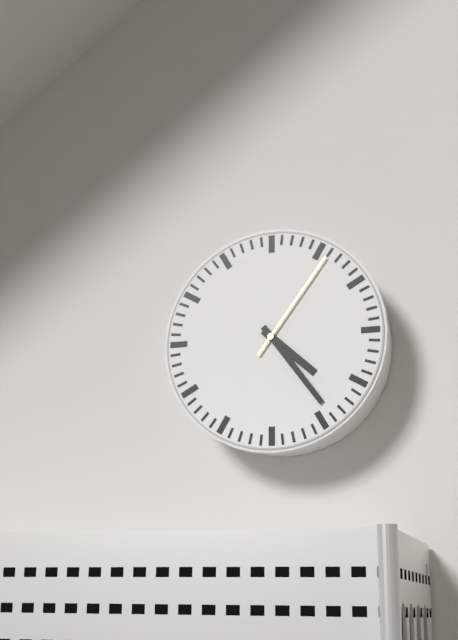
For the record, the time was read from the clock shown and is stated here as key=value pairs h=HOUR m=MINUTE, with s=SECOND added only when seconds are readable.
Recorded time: h=4 m=24 s=6
